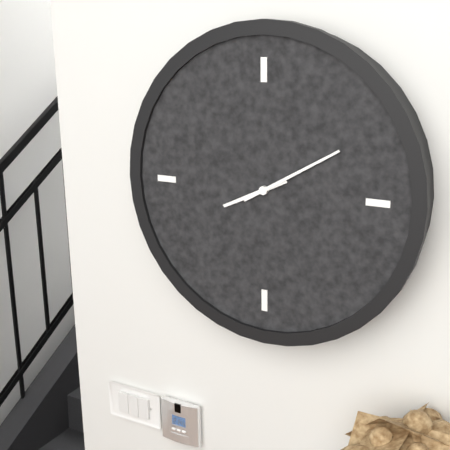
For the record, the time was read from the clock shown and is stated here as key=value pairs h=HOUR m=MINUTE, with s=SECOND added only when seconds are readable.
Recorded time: h=8 m=10
